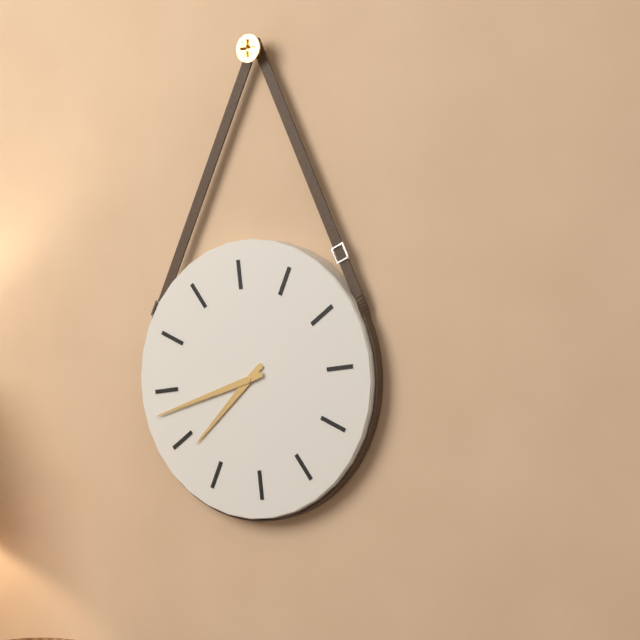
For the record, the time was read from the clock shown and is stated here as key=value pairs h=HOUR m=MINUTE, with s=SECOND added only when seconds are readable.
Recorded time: h=7 m=43
